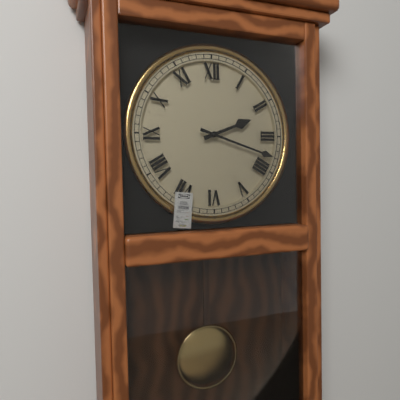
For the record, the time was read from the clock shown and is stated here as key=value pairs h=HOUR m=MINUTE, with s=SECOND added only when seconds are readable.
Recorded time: h=2 m=18
